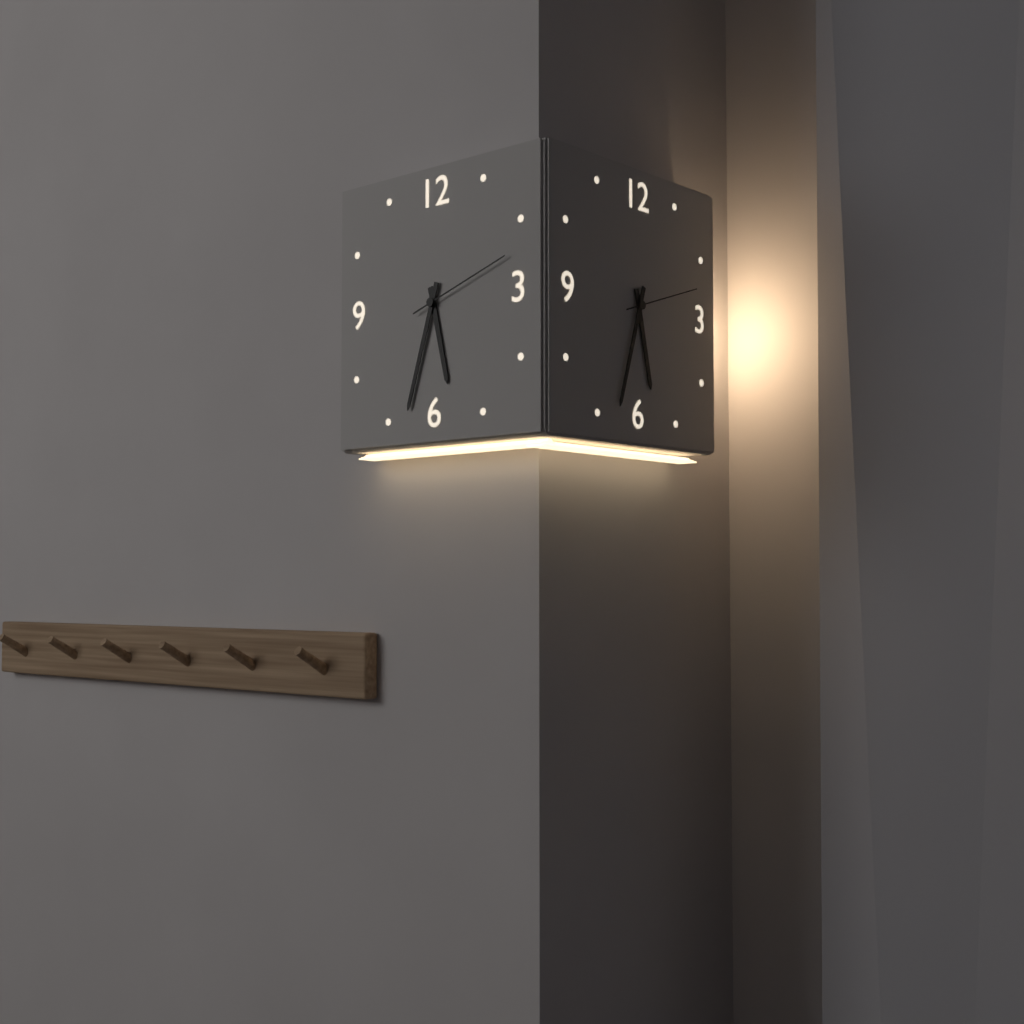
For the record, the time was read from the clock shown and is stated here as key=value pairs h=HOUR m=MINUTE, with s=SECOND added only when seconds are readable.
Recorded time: h=5 m=33 s=12
